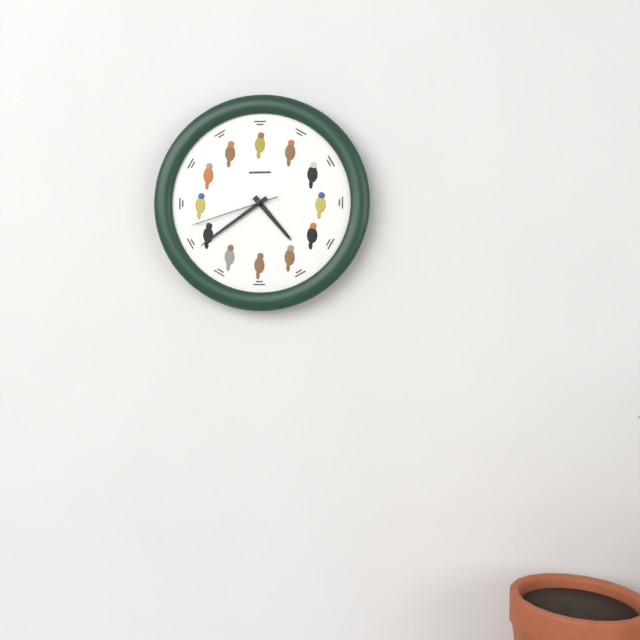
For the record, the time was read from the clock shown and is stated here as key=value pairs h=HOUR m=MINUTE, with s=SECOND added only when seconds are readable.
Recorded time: h=4 m=39 s=42
